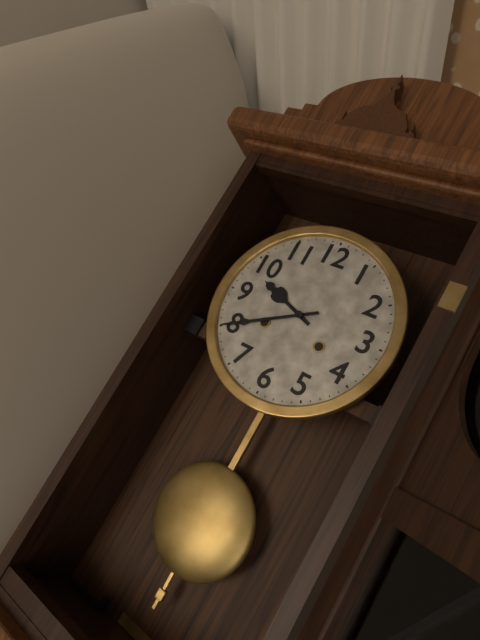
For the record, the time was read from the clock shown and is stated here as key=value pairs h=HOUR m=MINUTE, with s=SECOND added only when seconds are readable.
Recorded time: h=9 m=40
